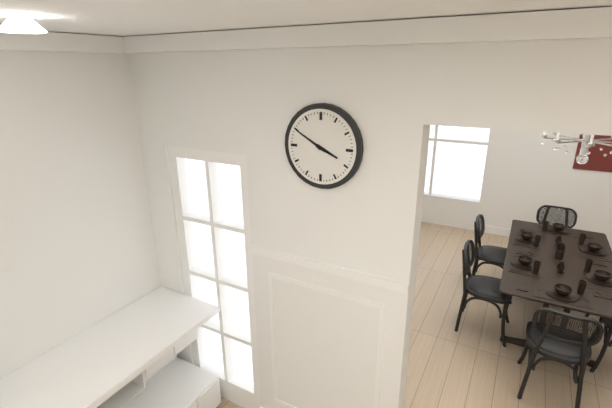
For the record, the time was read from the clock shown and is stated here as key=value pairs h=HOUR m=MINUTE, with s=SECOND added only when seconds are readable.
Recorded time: h=3 m=50
